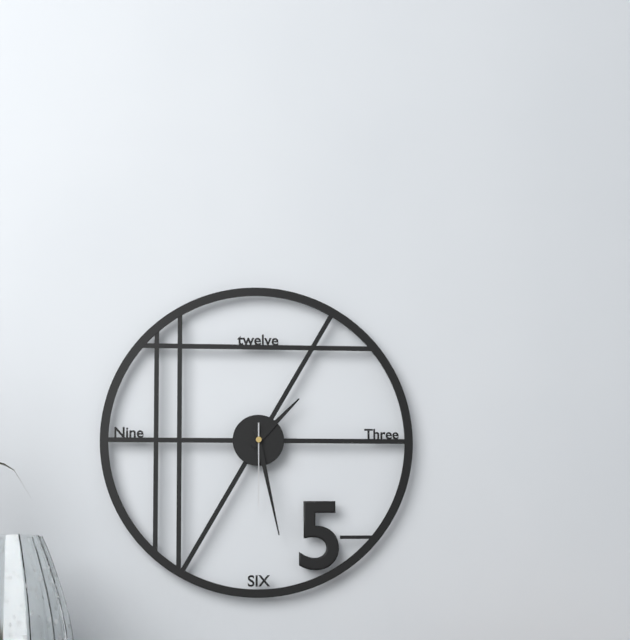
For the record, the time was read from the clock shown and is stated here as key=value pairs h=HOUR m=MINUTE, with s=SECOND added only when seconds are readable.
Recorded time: h=1 m=28 s=30
